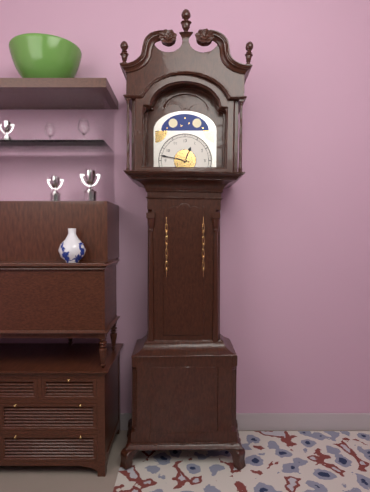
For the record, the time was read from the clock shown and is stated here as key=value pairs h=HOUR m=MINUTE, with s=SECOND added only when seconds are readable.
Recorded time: h=12 m=47
